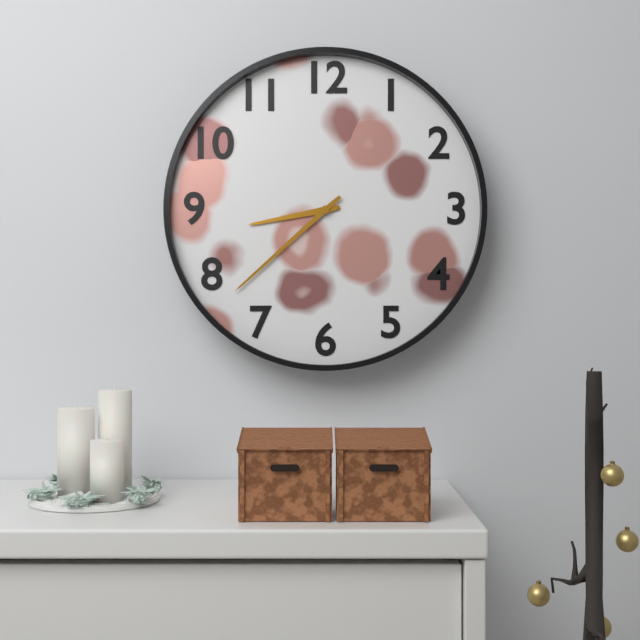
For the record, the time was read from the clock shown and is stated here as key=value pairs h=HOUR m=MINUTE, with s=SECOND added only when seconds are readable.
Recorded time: h=8 m=38
